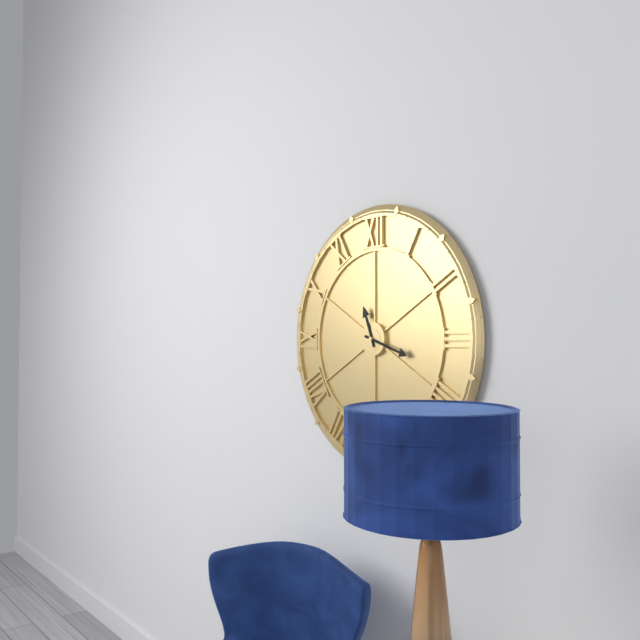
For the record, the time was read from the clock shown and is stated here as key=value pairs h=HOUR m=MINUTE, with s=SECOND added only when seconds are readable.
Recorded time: h=11 m=18
